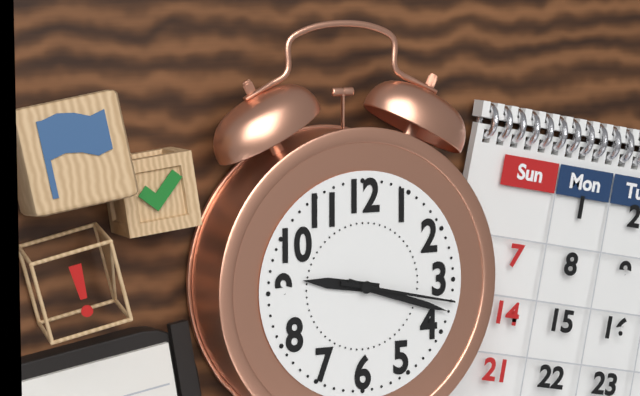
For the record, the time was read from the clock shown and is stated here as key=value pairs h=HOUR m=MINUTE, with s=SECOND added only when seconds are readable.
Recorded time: h=9 m=18 s=17
